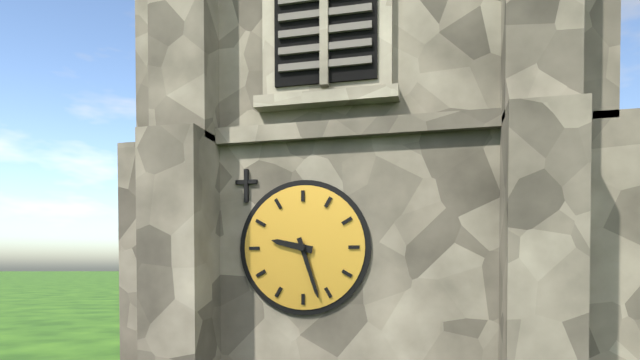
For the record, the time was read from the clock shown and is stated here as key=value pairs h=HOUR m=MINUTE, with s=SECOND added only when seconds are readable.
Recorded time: h=9 m=27
